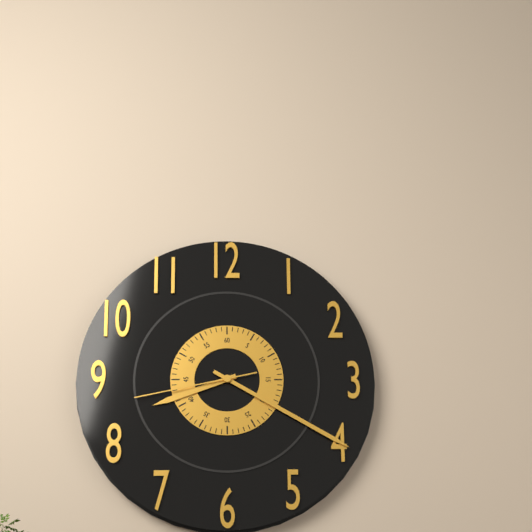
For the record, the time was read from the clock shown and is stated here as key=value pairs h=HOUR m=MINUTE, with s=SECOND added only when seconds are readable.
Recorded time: h=8 m=20 s=43
